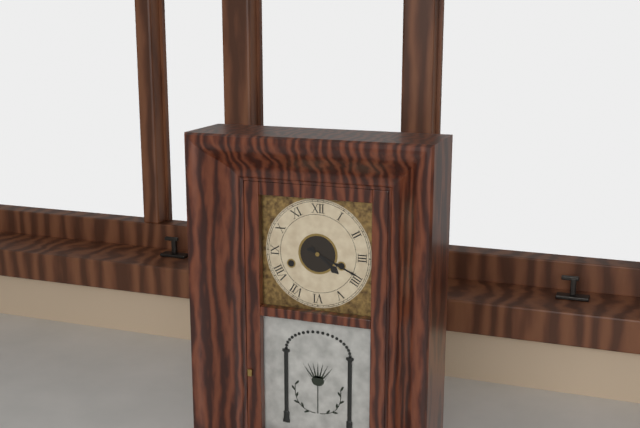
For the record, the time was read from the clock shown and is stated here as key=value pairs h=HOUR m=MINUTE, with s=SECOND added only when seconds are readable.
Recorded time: h=4 m=19
